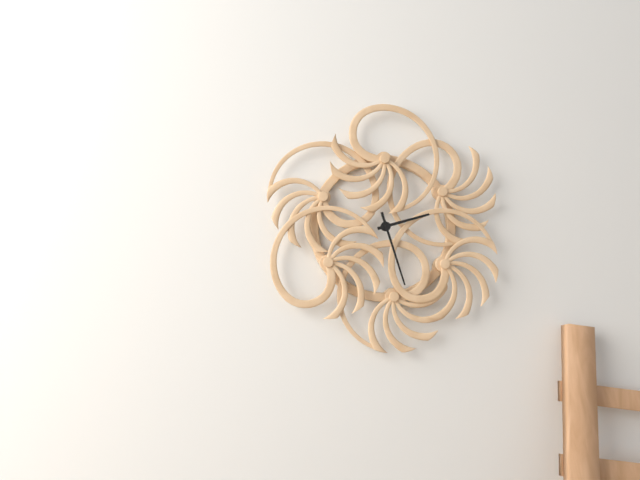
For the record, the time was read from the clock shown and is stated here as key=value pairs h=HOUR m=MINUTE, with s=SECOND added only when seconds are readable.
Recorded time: h=2 m=27
